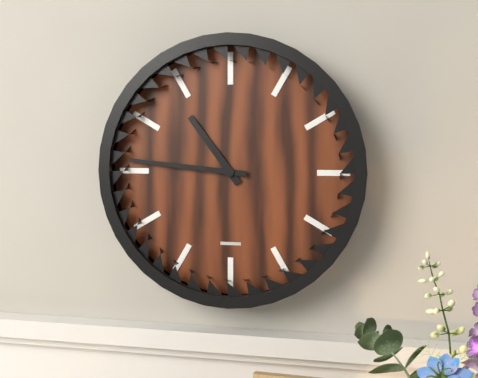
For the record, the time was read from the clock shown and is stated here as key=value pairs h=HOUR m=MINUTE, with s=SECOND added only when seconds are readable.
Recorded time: h=10 m=46
